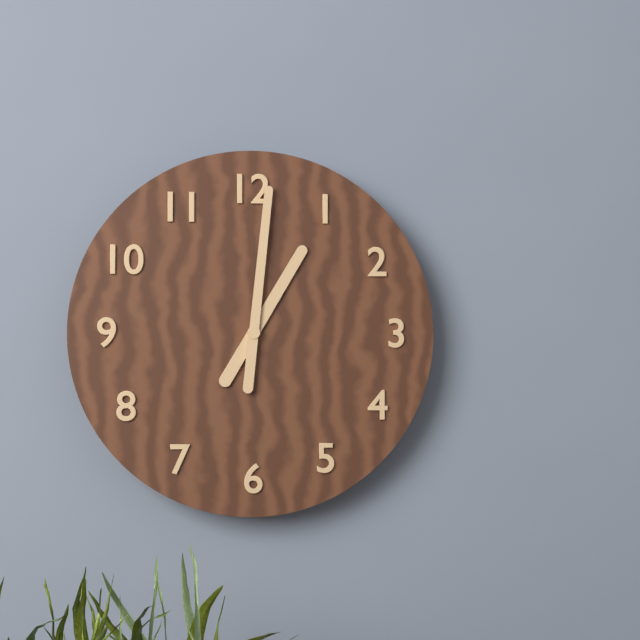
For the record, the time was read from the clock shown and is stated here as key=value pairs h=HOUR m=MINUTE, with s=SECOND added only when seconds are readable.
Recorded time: h=1 m=1
